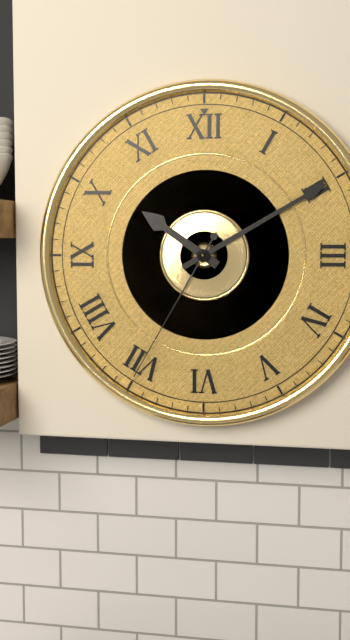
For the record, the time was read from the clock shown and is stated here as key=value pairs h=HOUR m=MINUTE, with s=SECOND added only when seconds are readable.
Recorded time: h=10 m=10 s=35
